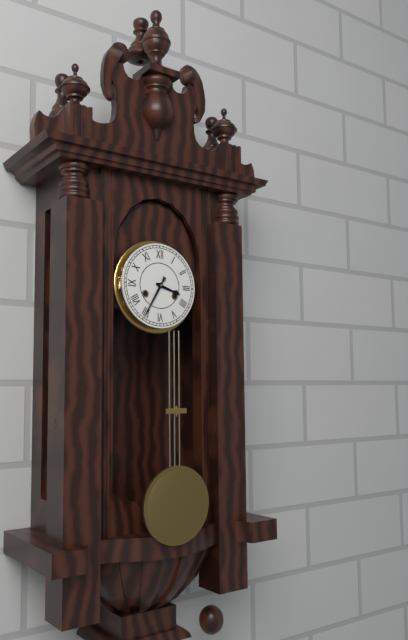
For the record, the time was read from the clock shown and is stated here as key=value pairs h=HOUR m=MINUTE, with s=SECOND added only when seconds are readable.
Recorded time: h=3 m=35
